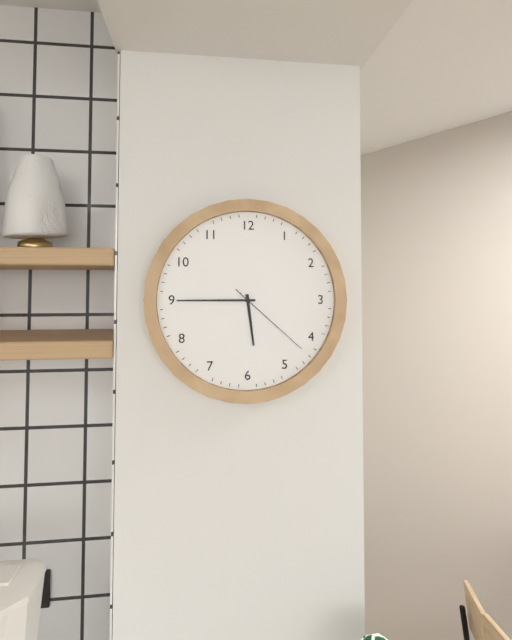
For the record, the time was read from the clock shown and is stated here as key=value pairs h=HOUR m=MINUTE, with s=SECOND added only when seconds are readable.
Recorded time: h=5 m=45 s=22
